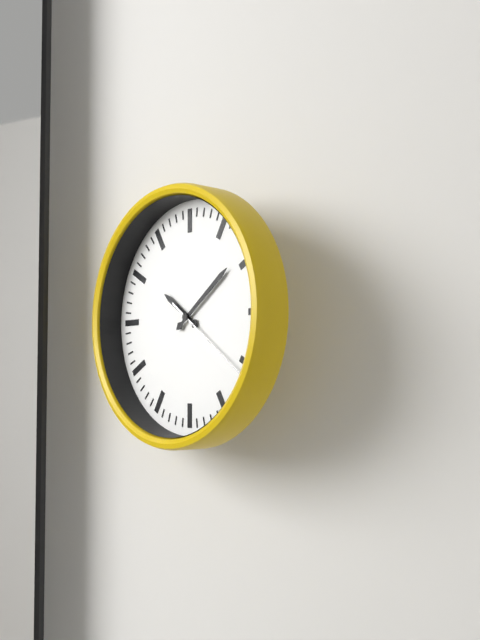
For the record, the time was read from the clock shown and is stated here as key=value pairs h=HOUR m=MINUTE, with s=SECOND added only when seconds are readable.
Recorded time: h=10 m=9 s=21
